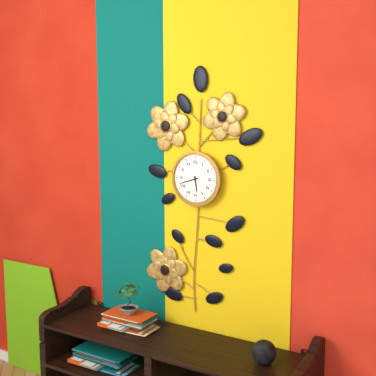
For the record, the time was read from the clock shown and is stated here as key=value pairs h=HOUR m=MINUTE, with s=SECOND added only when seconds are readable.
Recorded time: h=5 m=42
